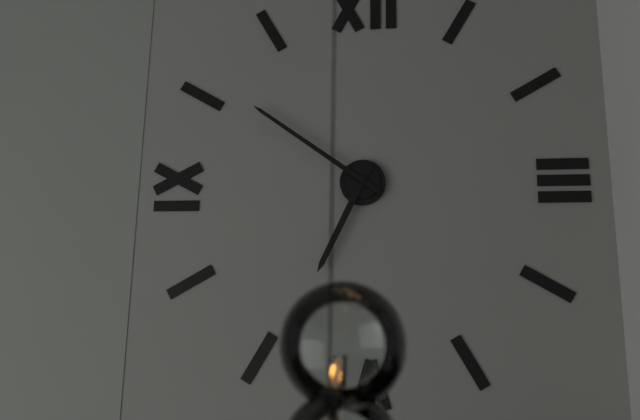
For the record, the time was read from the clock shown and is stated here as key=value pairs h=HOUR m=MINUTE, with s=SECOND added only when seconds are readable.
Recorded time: h=6 m=51
